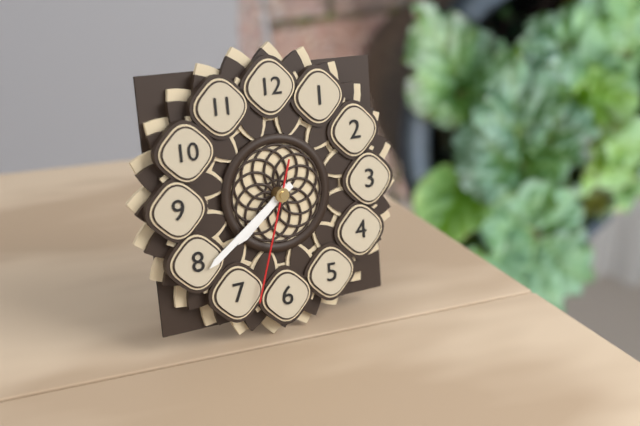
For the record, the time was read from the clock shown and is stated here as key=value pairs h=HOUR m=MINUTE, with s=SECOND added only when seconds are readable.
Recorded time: h=7 m=39 s=33
